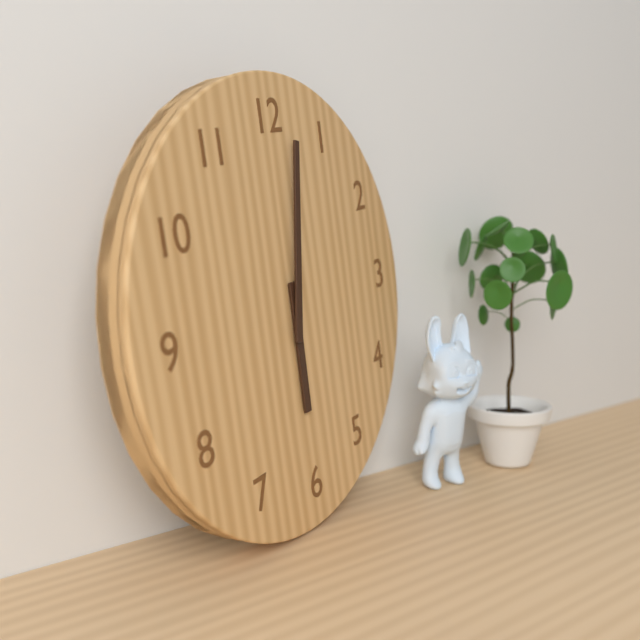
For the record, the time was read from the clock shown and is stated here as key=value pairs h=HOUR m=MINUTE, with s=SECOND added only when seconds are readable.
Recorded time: h=6 m=2
